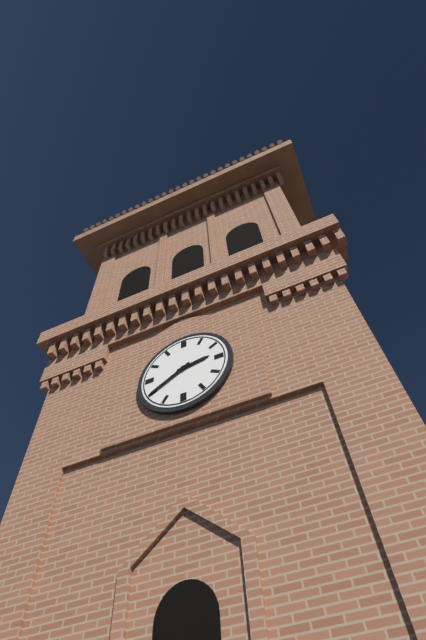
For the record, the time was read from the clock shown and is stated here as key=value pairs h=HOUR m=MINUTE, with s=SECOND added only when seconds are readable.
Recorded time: h=2 m=40
